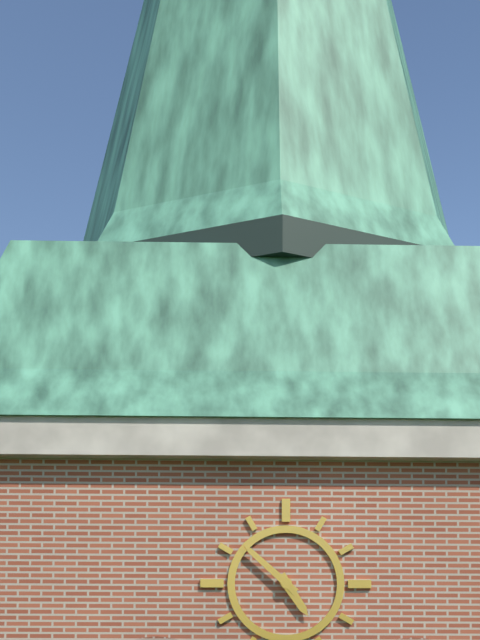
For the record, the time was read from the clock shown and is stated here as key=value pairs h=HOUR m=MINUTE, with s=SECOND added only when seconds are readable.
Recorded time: h=4 m=52
